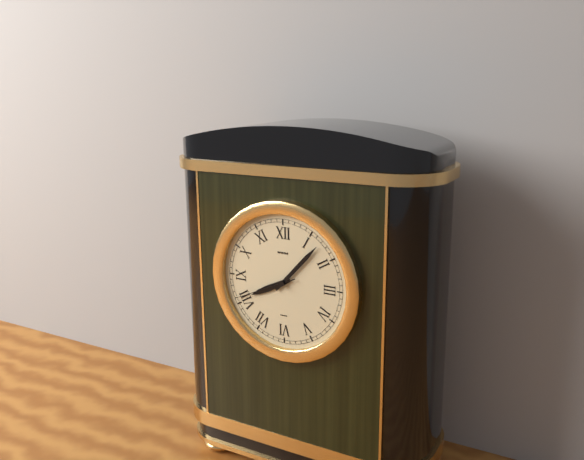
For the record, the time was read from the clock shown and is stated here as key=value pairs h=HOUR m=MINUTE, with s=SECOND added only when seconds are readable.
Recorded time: h=8 m=7 s=41
